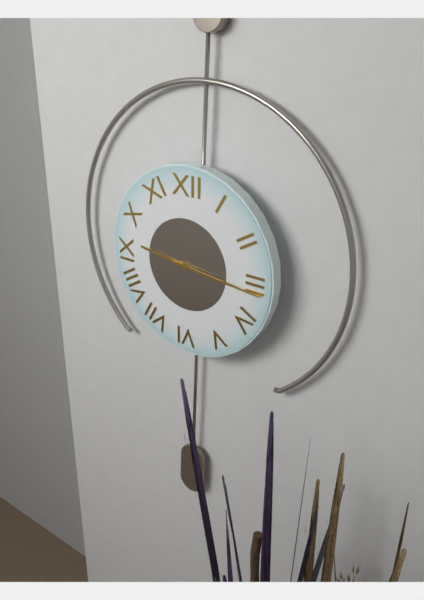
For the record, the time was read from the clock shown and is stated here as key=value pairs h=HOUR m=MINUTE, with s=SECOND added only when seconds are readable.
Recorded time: h=9 m=16
